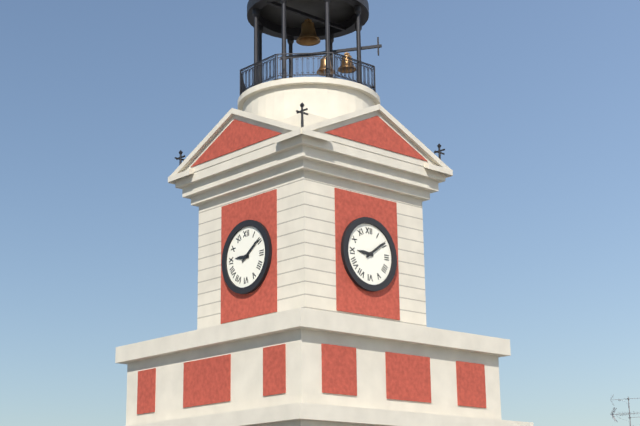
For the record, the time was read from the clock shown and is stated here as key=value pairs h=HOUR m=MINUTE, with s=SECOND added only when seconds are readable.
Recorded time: h=9 m=9
